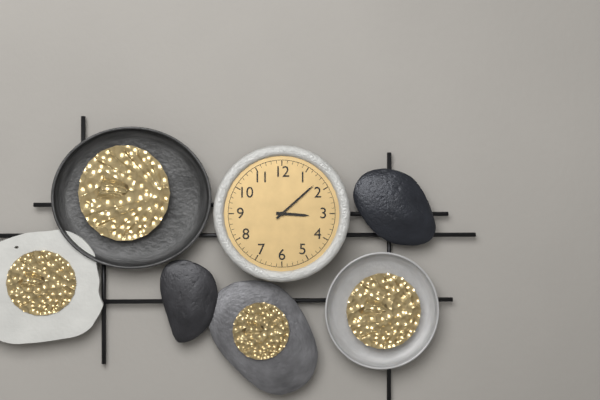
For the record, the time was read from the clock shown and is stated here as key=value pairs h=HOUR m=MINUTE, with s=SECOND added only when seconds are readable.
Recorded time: h=3 m=8
